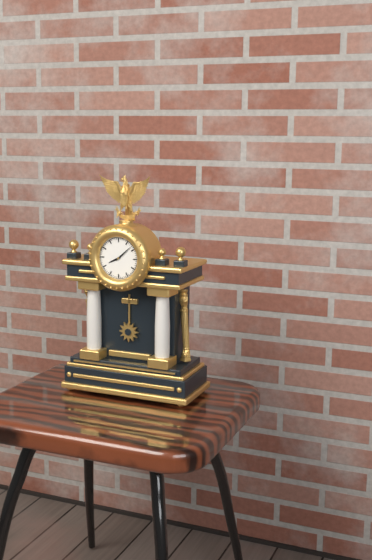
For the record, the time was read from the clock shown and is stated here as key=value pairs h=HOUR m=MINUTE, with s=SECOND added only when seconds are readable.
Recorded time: h=8 m=8
